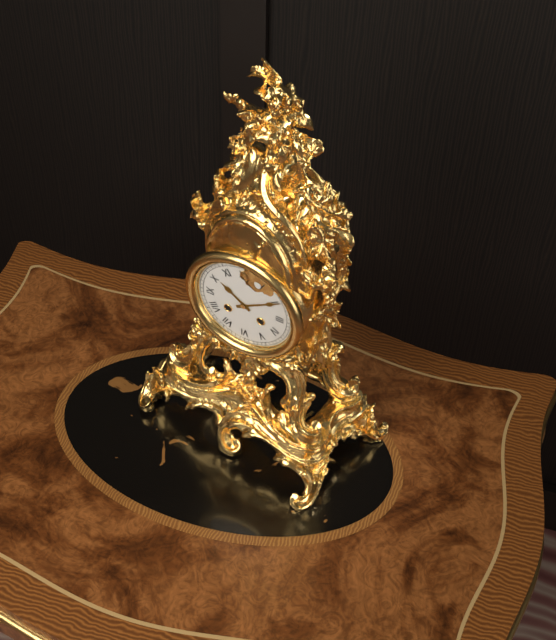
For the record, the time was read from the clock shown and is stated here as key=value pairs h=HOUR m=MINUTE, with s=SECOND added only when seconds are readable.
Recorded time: h=10 m=10
